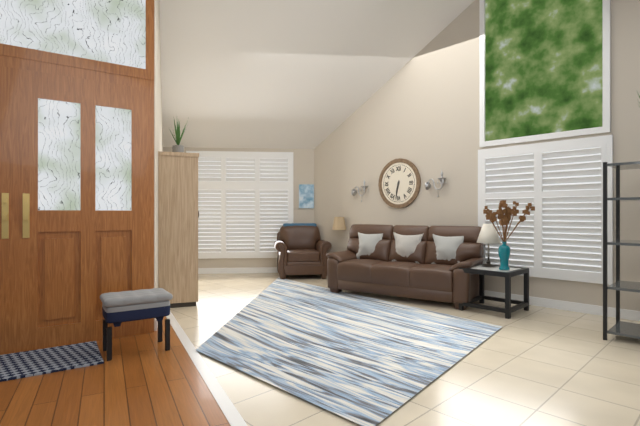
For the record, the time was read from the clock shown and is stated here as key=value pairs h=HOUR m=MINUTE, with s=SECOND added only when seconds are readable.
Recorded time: h=6 m=32
